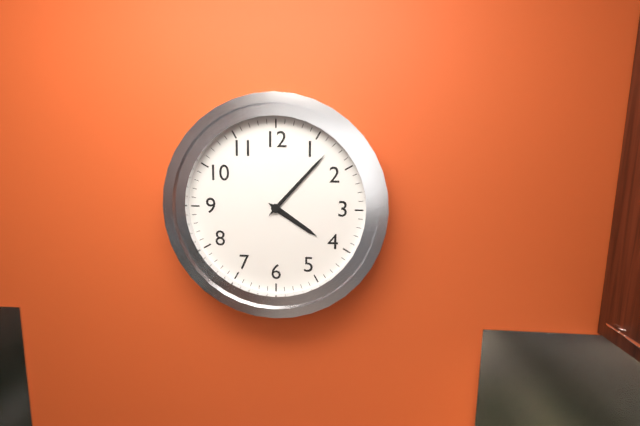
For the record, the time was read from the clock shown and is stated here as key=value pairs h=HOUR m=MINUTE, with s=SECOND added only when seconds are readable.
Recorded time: h=4 m=7
